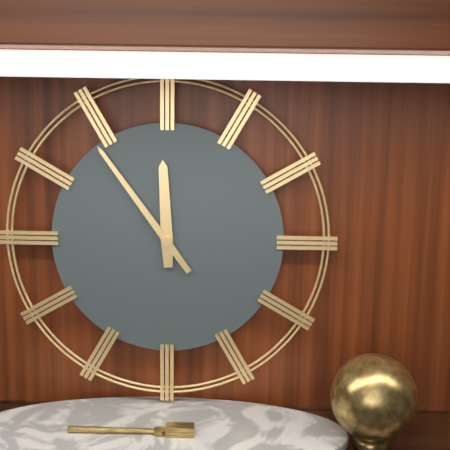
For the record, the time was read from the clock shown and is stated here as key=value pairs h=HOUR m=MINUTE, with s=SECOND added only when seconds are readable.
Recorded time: h=11 m=54
